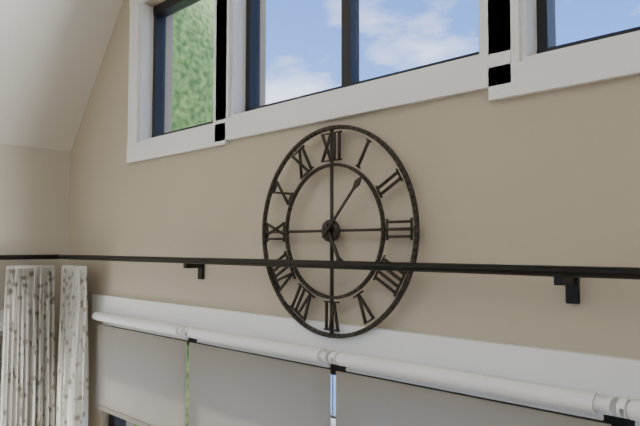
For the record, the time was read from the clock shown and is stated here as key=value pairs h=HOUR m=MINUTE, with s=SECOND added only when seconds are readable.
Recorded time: h=5 m=7
